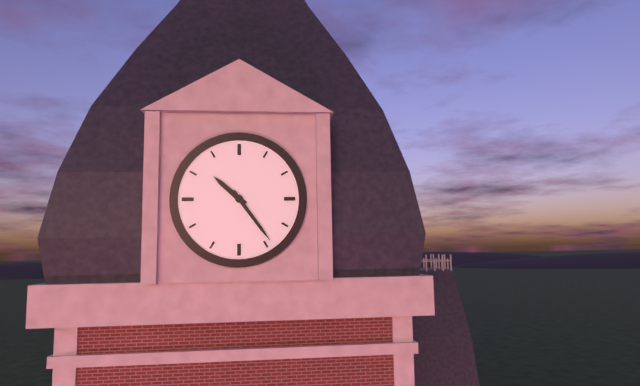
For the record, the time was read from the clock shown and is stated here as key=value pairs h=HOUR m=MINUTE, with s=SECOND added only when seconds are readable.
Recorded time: h=10 m=24
